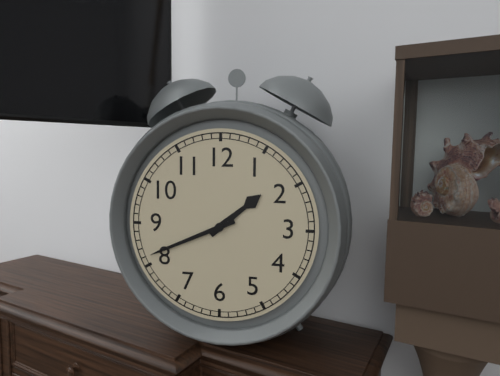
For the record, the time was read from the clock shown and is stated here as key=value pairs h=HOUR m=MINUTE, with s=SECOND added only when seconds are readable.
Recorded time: h=1 m=41
